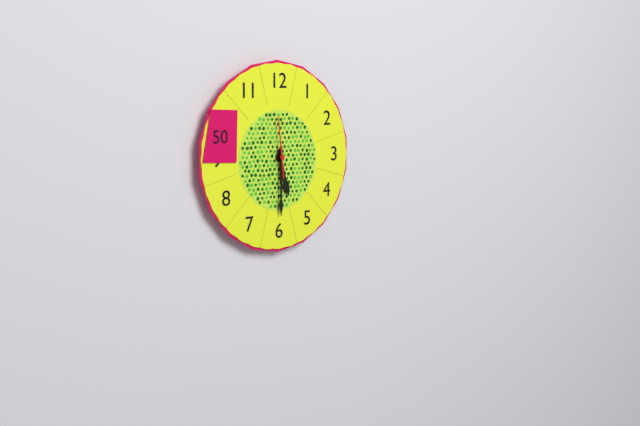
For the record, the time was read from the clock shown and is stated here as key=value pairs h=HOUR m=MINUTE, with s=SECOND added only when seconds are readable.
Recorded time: h=5 m=30 s=59
